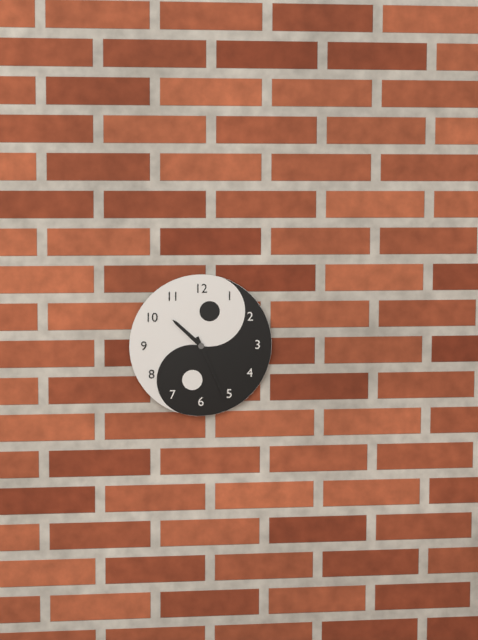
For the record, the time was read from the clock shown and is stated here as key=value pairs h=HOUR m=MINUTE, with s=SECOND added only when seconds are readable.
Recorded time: h=10 m=26
